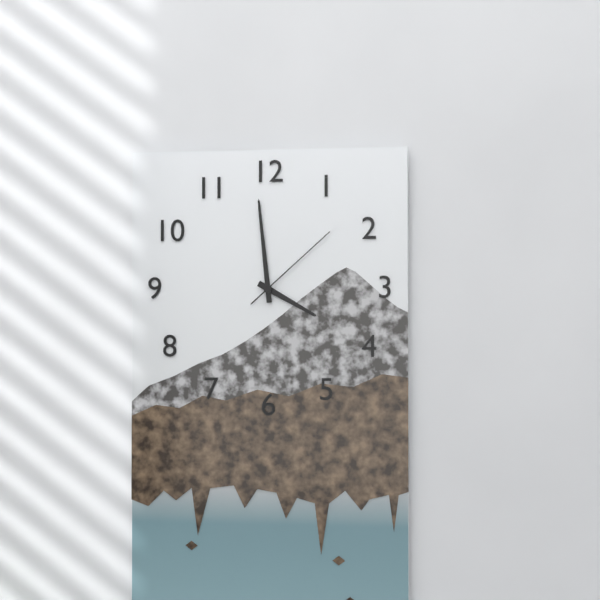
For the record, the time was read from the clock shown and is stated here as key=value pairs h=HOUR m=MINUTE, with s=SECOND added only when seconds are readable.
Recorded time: h=3 m=59 s=8
